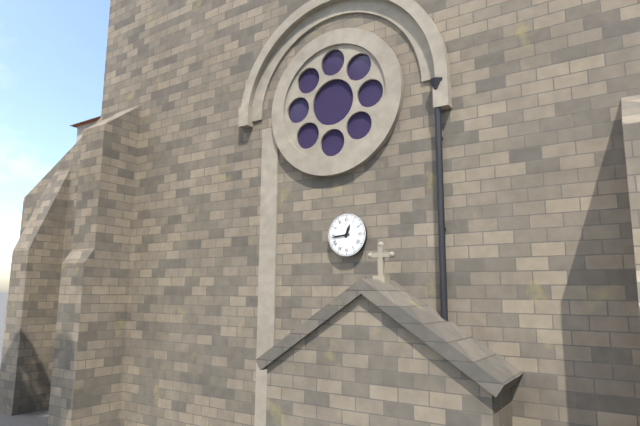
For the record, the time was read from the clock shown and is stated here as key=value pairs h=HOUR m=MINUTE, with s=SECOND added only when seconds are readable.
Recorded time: h=12 m=44
